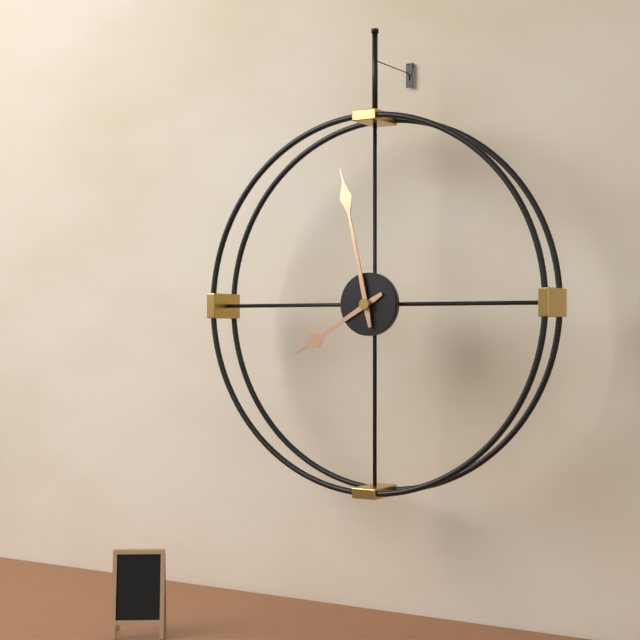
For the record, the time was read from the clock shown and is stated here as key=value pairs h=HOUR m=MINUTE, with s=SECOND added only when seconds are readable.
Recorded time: h=7 m=58
